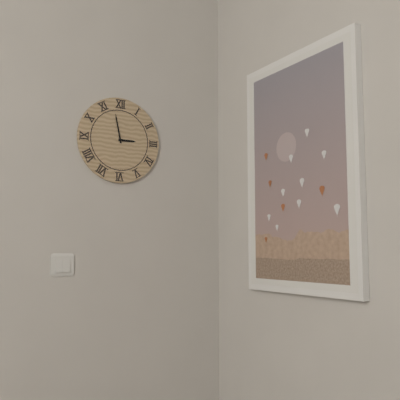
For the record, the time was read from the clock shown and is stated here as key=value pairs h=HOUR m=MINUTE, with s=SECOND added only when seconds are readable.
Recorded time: h=2 m=58
